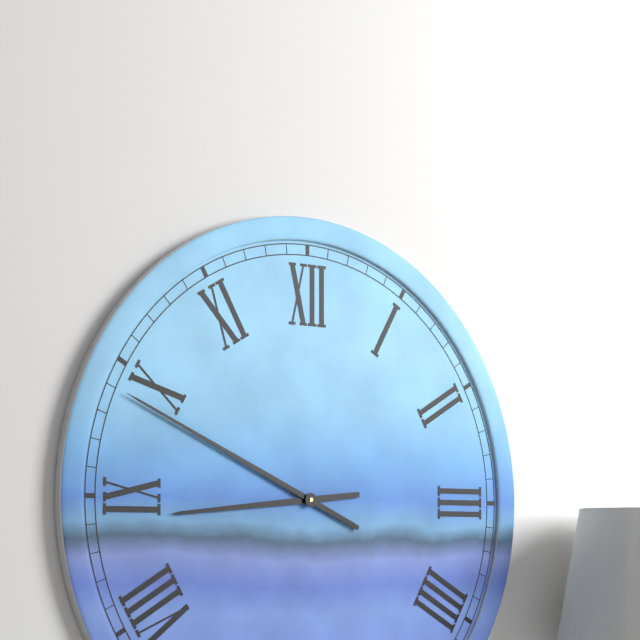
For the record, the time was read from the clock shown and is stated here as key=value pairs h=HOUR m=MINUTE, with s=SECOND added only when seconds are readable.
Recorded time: h=8 m=49
